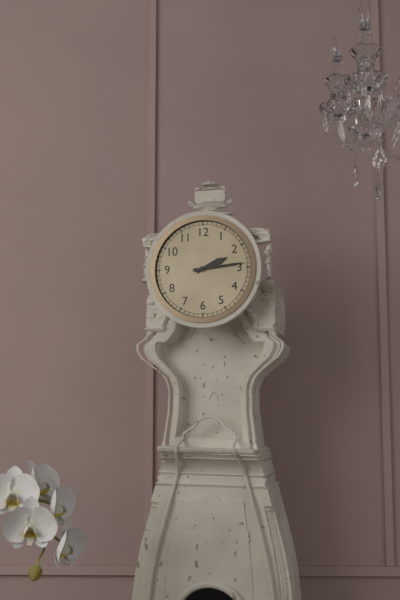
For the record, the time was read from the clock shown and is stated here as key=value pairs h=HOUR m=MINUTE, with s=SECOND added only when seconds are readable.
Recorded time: h=2 m=14
